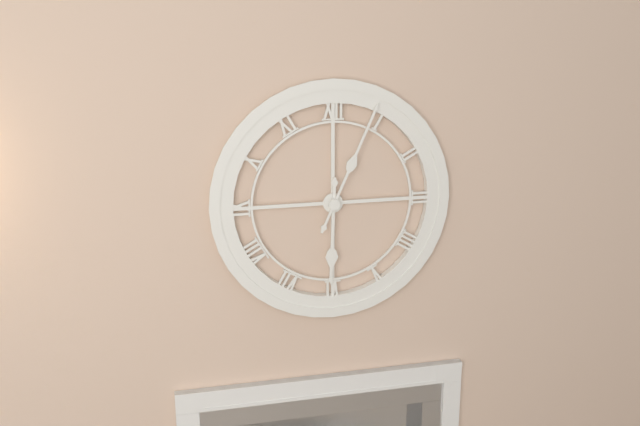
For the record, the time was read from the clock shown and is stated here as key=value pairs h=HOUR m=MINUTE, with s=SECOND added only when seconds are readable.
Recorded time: h=6 m=4
